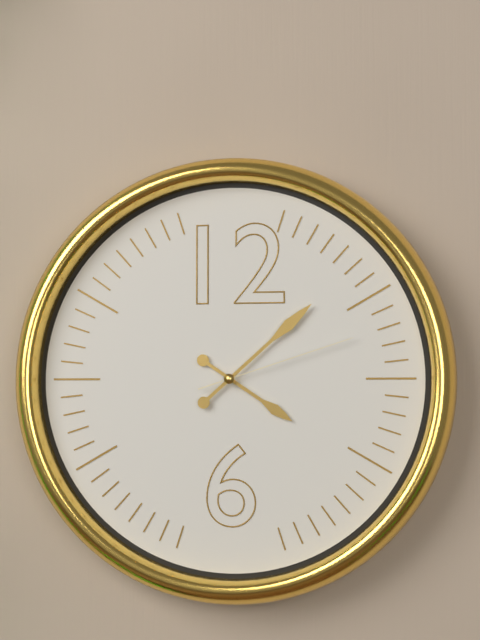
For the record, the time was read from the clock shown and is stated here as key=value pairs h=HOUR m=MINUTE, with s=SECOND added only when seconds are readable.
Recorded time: h=4 m=8 s=12
